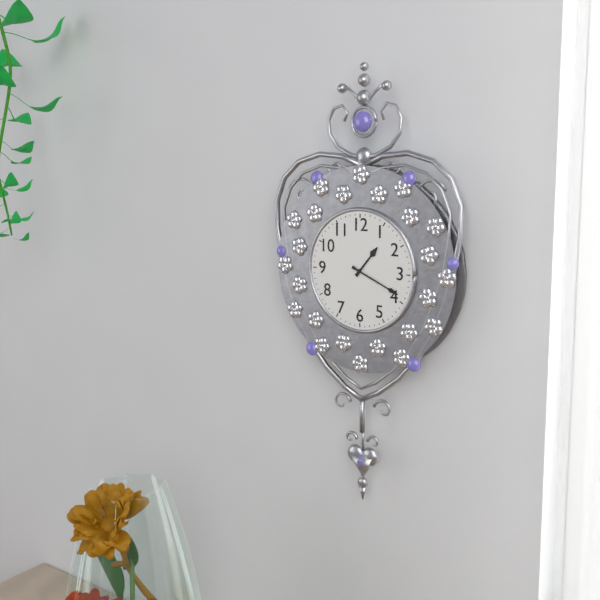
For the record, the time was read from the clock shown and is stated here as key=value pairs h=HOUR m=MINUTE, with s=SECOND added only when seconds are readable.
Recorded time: h=1 m=19
